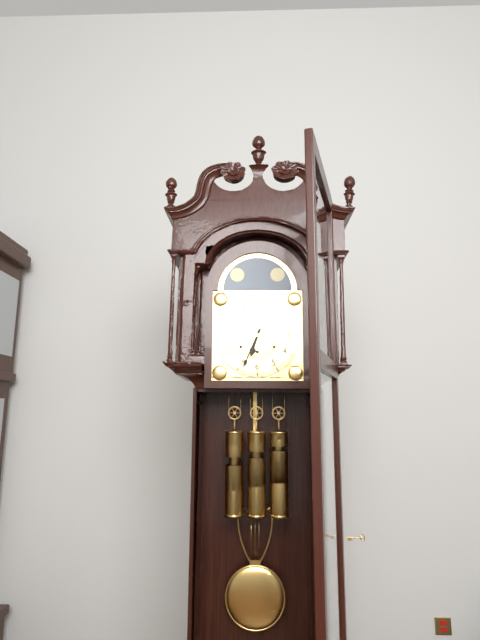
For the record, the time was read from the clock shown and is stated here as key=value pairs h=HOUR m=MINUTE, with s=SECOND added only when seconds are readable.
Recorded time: h=6 m=34
